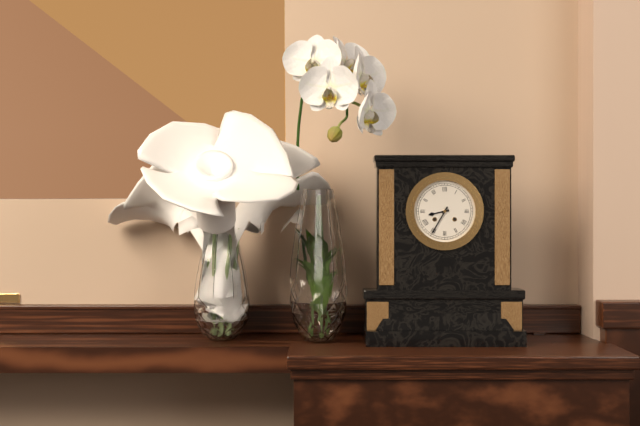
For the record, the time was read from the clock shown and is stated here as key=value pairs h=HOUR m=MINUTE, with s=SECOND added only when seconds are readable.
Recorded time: h=8 m=35
